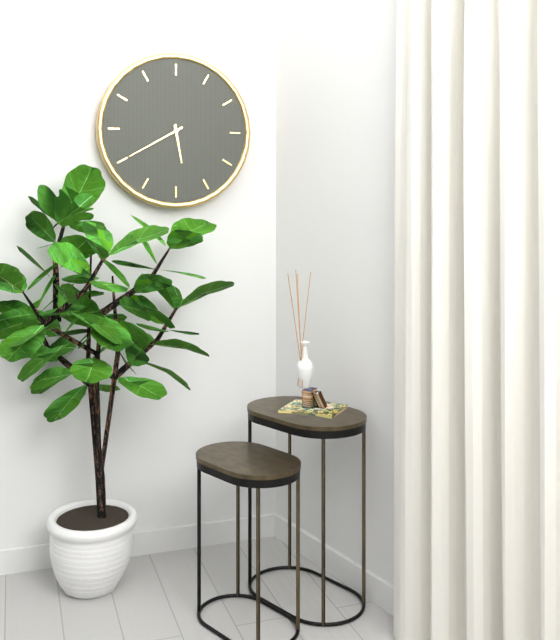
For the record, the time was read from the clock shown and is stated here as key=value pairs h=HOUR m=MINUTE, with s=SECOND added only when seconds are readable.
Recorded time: h=5 m=40
